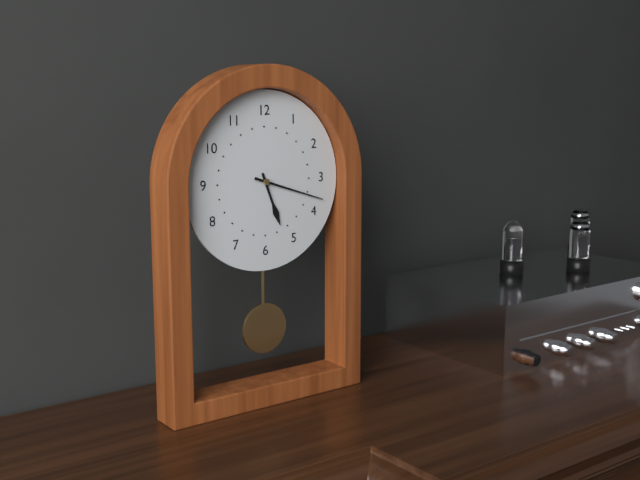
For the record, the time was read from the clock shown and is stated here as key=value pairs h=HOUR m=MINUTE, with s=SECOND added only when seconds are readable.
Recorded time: h=5 m=18
